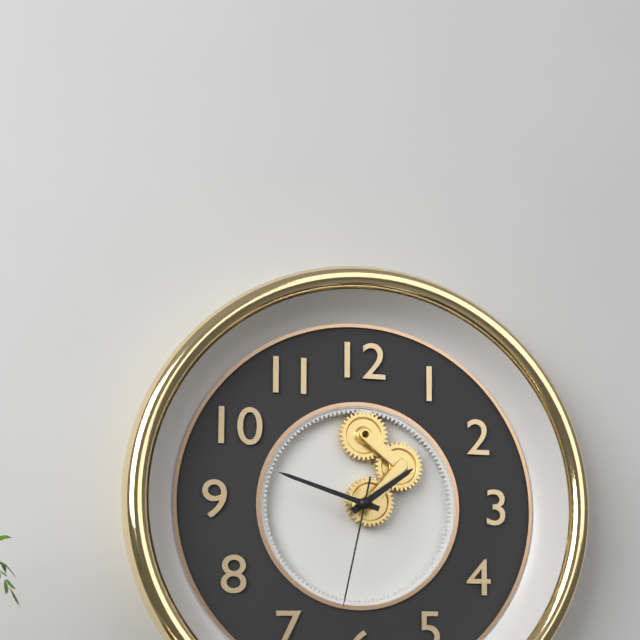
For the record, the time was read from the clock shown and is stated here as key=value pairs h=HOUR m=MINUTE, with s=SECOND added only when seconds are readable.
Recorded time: h=1 m=48 s=32
